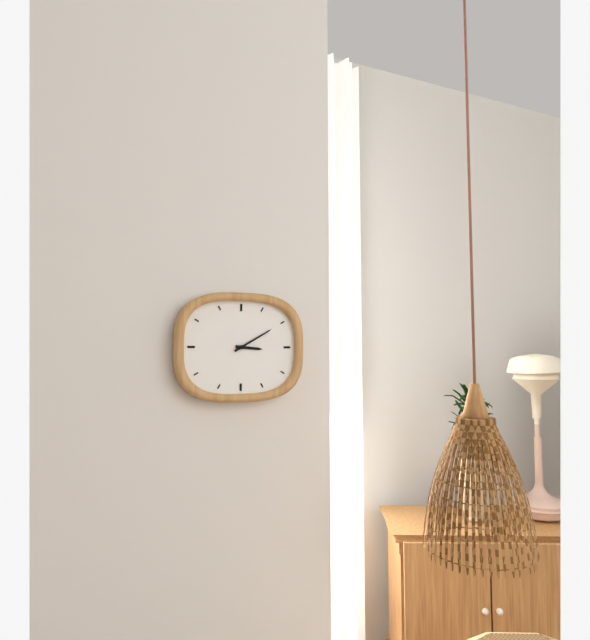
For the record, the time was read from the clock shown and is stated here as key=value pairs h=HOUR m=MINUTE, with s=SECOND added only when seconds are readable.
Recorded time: h=3 m=10
